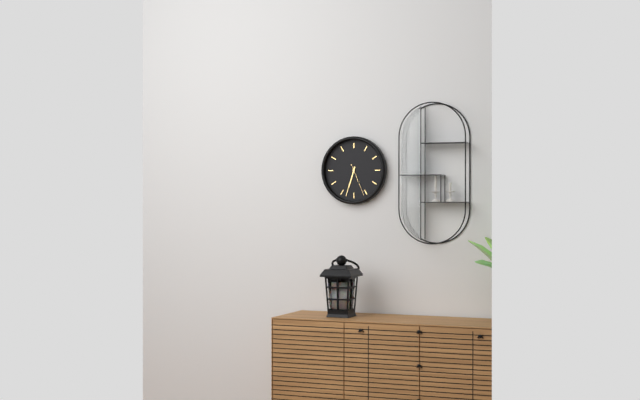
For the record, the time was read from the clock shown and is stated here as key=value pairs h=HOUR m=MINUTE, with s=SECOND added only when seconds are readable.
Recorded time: h=6 m=33
